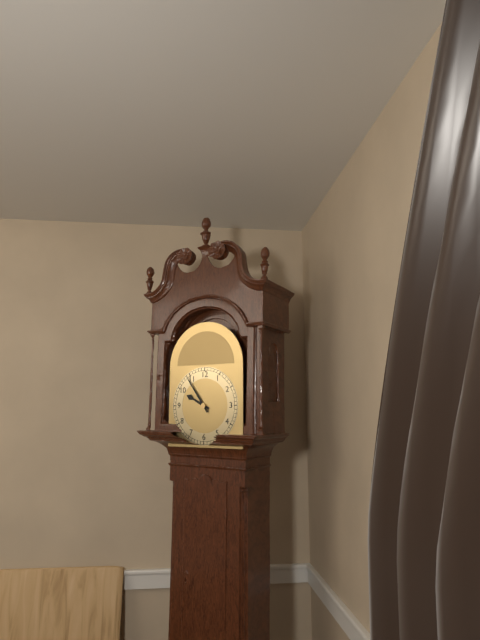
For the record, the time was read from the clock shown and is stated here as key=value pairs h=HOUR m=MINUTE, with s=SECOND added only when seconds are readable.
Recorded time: h=9 m=54
